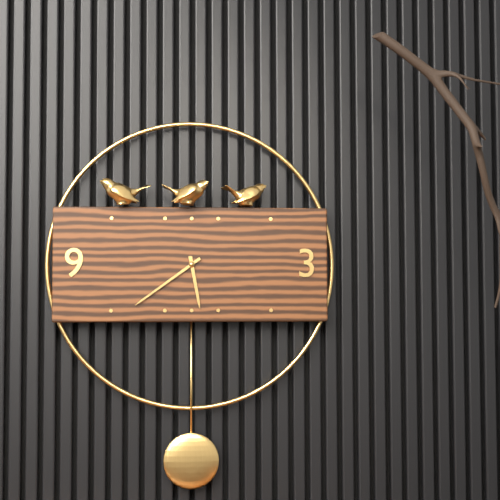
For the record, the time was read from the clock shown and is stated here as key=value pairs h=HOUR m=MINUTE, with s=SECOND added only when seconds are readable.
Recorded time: h=5 m=39
